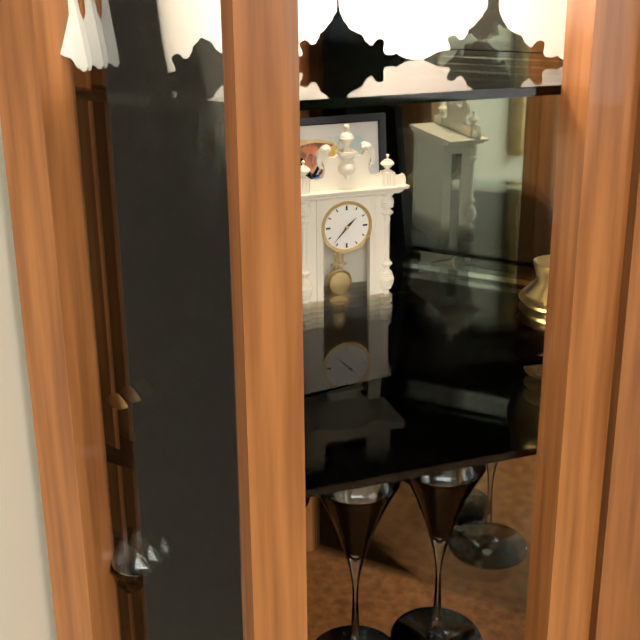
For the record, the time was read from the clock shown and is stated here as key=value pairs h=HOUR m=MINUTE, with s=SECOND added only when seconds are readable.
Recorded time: h=1 m=37
